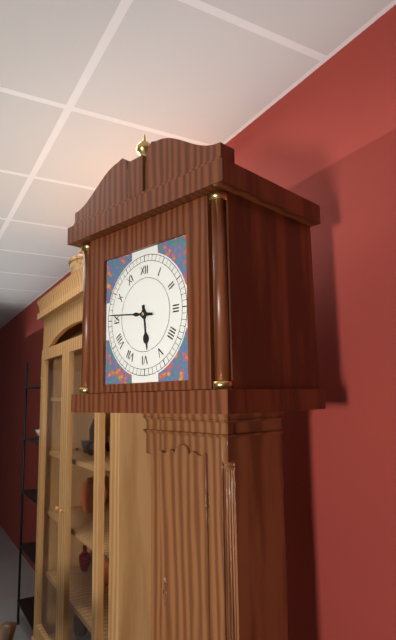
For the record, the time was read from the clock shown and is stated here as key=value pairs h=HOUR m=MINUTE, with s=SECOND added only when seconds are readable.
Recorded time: h=5 m=46
